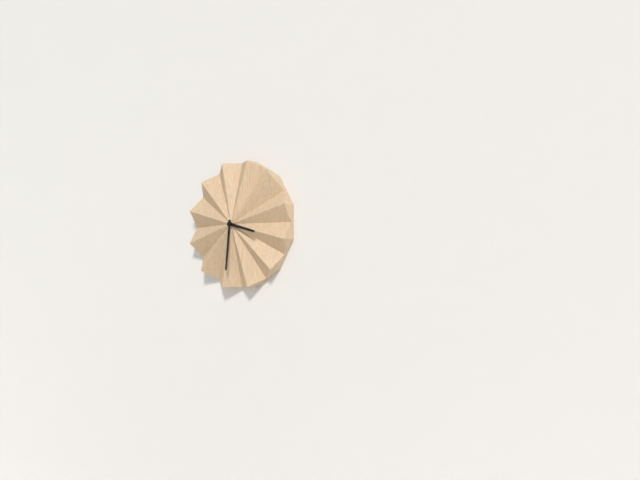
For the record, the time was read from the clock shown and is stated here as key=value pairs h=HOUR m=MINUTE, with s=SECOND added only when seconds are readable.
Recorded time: h=3 m=31
